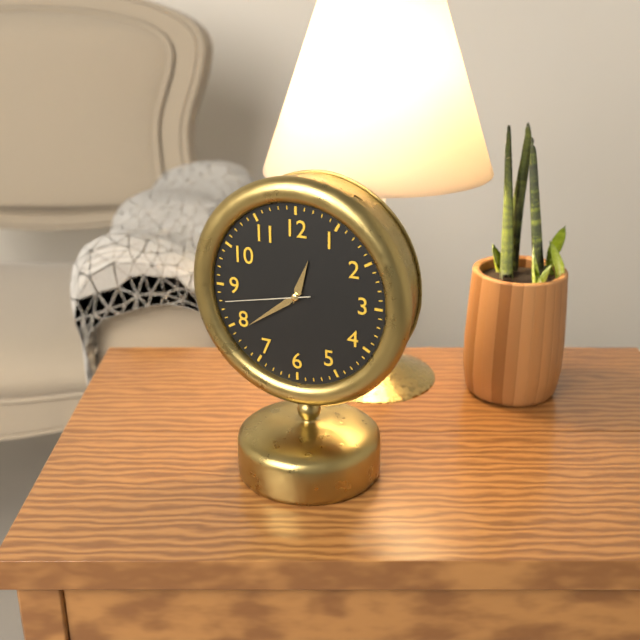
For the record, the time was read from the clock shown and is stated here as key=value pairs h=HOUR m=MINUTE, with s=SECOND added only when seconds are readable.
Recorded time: h=12 m=39 s=43
